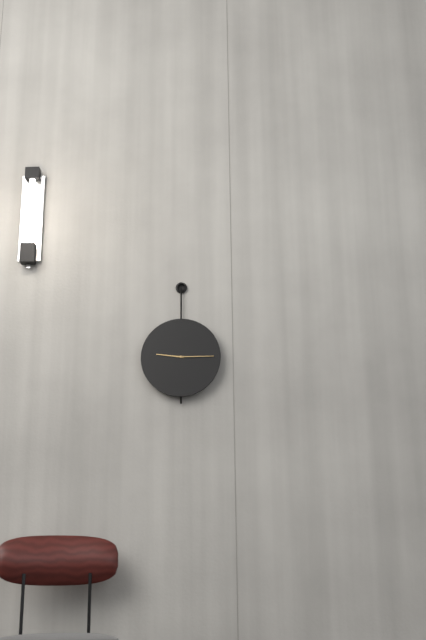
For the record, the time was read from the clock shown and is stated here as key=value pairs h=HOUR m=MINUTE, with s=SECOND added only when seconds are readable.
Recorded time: h=9 m=15
